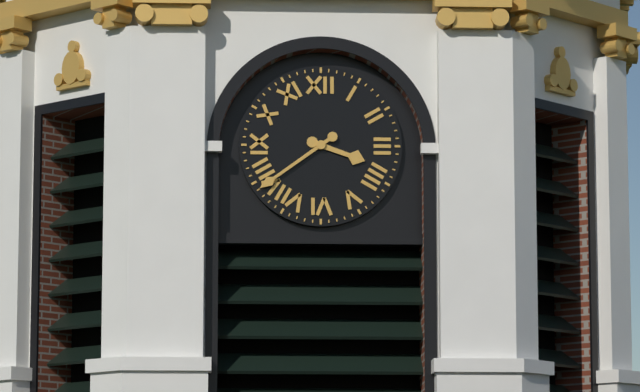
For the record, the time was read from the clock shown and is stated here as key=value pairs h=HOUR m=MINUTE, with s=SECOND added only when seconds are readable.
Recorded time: h=3 m=39
